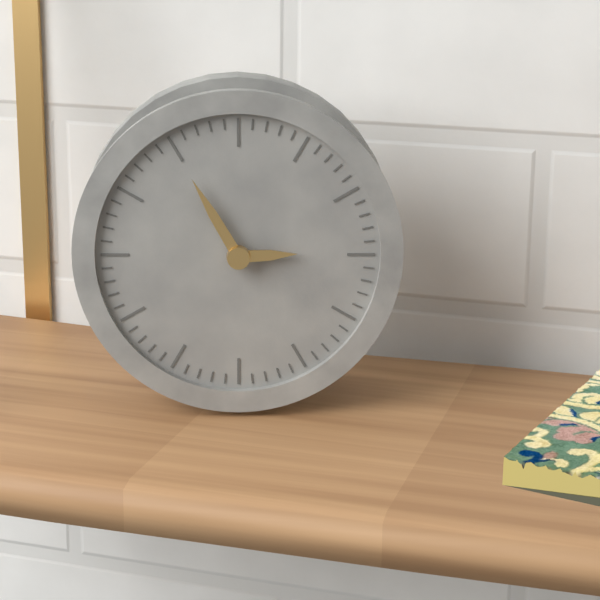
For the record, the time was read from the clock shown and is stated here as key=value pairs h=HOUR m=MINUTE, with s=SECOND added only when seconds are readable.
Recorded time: h=2 m=55
